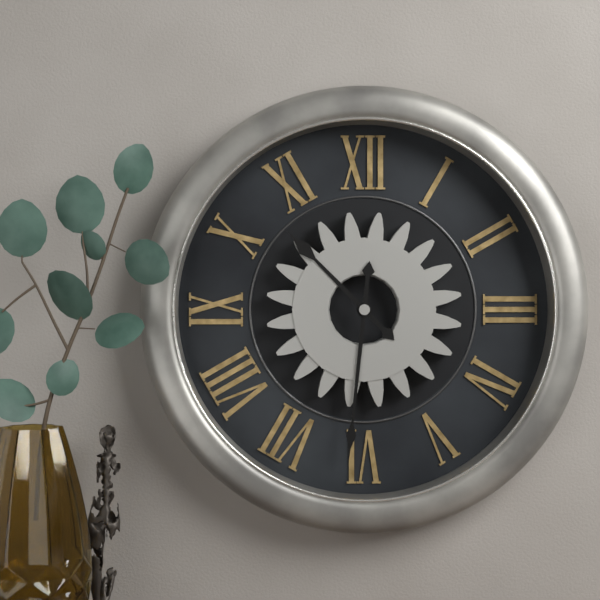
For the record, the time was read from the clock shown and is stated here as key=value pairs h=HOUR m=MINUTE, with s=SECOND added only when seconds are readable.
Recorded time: h=10 m=31
